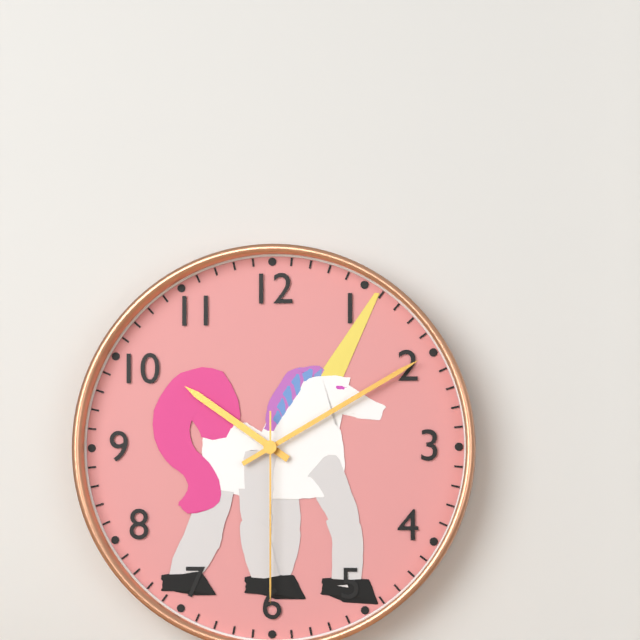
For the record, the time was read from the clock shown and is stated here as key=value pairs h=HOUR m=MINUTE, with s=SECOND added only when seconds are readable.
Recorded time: h=10 m=10 s=30
